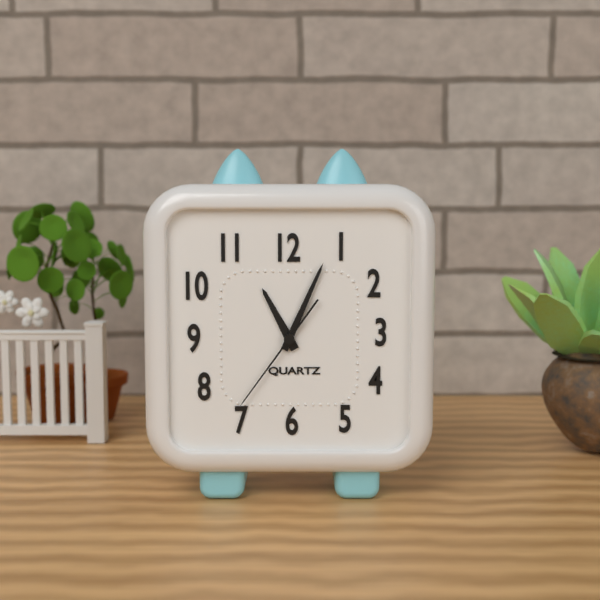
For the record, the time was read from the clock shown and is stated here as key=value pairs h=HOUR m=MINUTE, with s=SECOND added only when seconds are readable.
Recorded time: h=11 m=4 s=36
